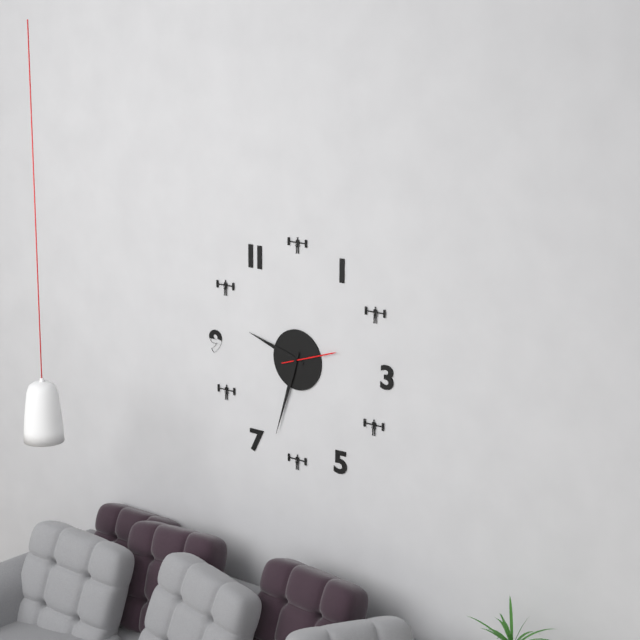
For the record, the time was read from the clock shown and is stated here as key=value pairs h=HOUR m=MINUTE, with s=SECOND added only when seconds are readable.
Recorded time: h=9 m=33 s=12
